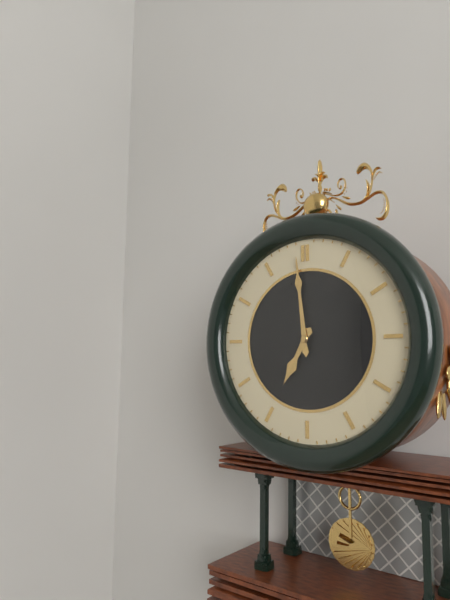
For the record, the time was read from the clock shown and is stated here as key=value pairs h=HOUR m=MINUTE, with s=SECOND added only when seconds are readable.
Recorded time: h=6 m=59
